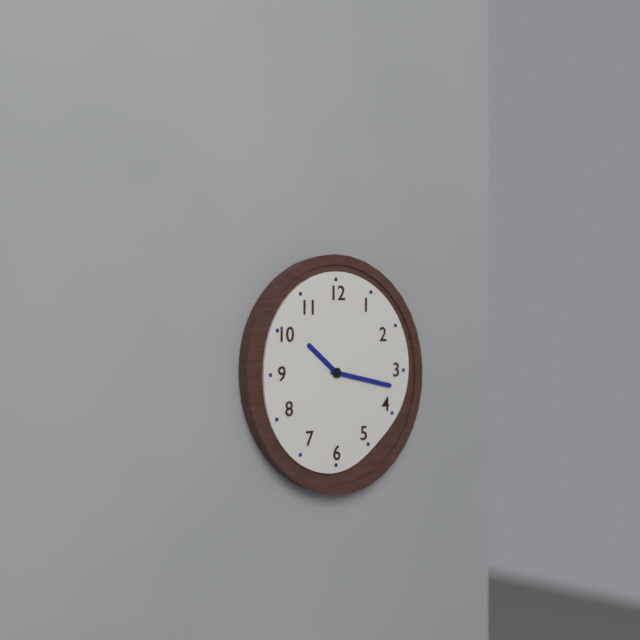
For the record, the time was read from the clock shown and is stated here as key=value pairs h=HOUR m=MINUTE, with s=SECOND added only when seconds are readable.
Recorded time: h=10 m=17
